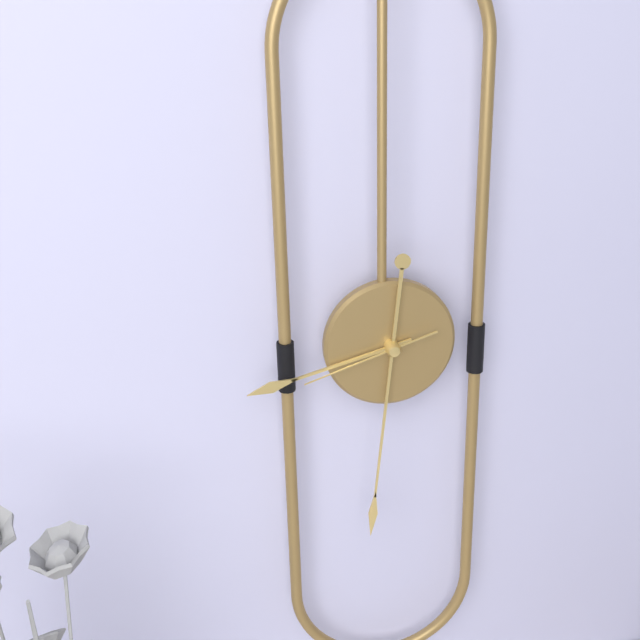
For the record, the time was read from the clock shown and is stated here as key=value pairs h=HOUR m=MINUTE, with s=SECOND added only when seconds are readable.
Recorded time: h=8 m=31 s=42
